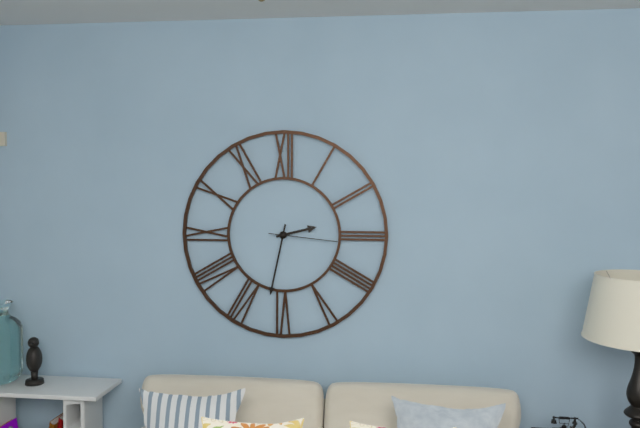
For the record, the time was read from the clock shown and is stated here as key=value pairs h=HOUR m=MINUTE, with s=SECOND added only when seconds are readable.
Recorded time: h=2 m=32 s=16
